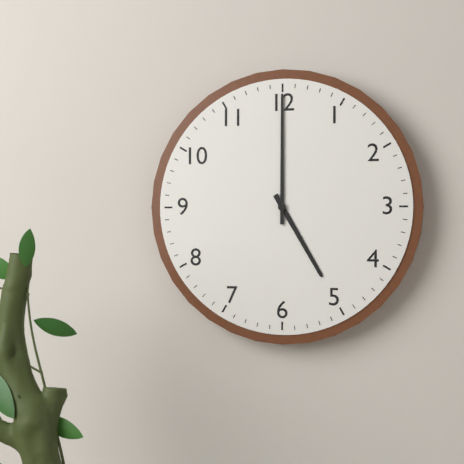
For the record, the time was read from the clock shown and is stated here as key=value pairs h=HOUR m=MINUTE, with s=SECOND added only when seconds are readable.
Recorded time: h=5 m=0
